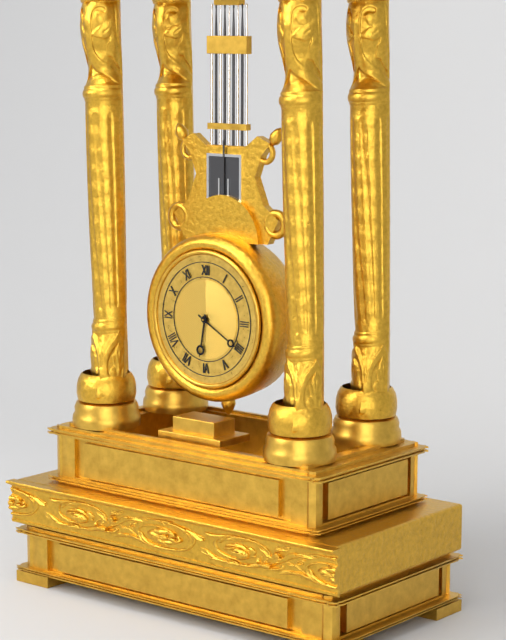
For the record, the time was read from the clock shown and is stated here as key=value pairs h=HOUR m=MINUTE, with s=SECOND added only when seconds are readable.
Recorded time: h=6 m=20
